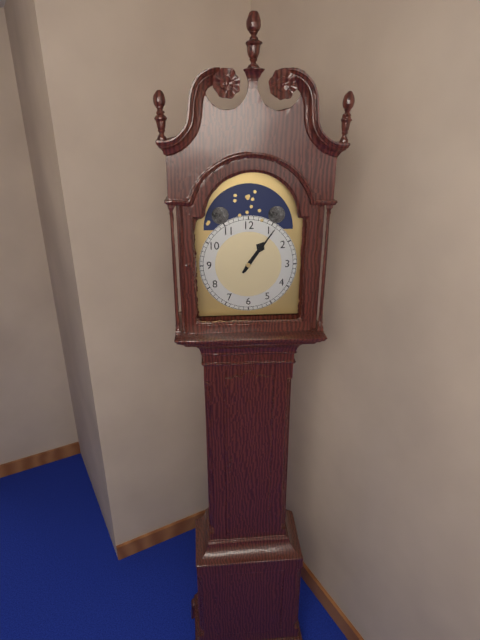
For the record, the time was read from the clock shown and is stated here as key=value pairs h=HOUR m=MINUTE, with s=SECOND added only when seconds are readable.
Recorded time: h=1 m=6
